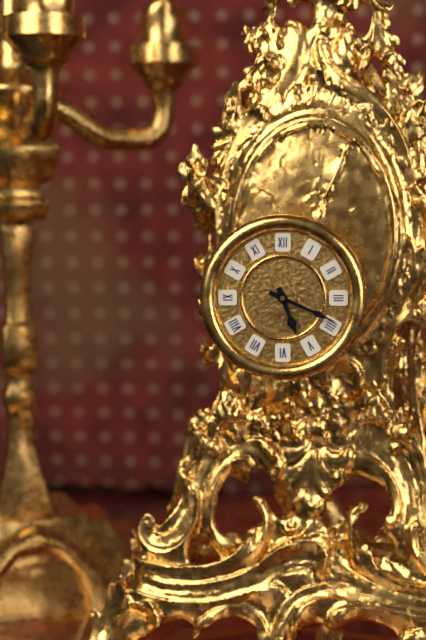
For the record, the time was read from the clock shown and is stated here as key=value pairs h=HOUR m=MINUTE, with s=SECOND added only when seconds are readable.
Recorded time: h=5 m=19
